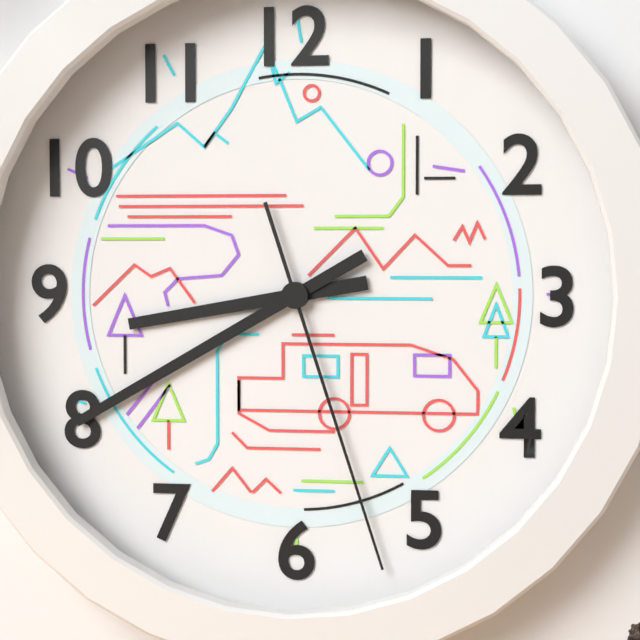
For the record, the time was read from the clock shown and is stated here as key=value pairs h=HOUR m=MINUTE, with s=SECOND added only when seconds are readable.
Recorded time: h=8 m=40 s=27
